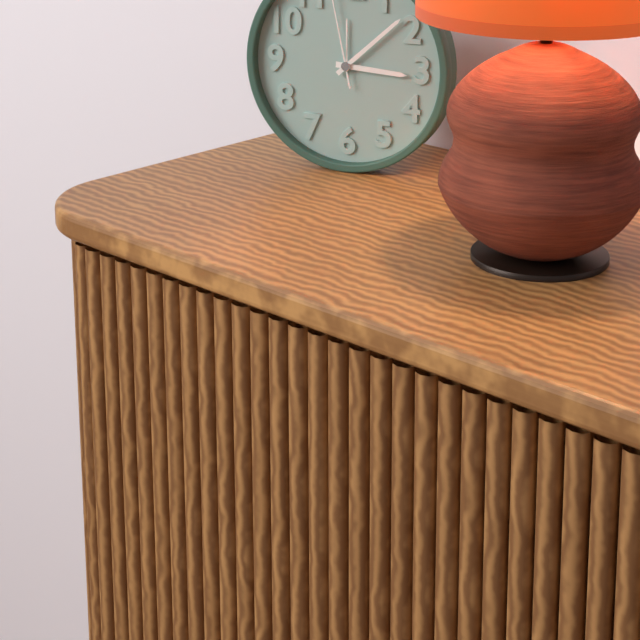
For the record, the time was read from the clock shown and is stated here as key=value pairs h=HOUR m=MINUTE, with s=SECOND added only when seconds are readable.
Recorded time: h=3 m=8
